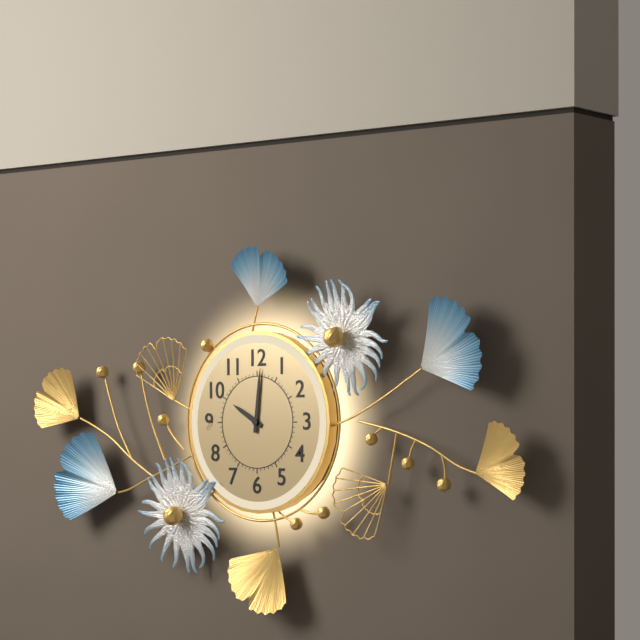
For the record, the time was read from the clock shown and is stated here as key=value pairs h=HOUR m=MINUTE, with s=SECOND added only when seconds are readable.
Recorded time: h=10 m=1
